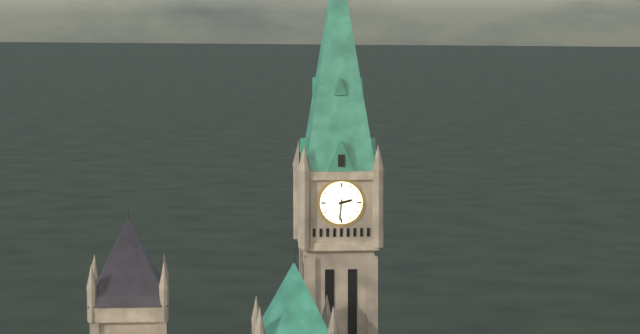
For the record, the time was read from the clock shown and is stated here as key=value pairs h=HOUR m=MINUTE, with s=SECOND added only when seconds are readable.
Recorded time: h=2 m=31
